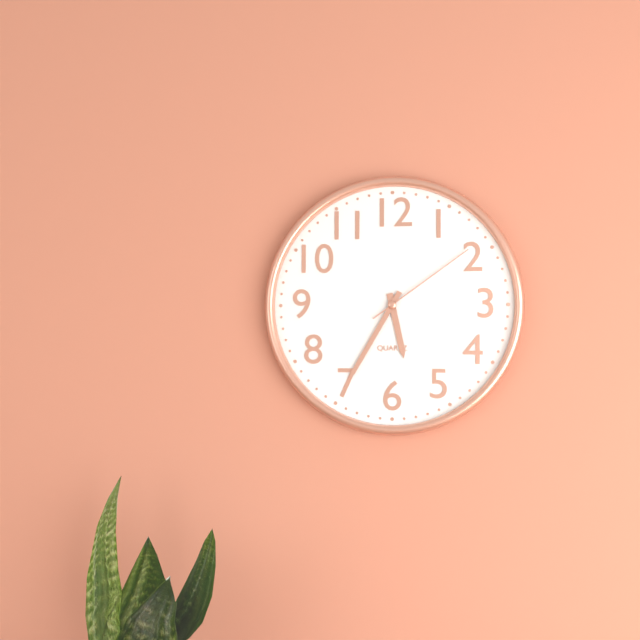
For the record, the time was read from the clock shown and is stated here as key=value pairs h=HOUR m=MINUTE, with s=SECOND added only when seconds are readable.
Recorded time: h=5 m=35 s=9
